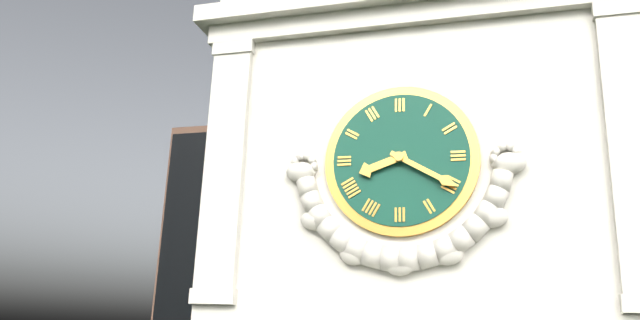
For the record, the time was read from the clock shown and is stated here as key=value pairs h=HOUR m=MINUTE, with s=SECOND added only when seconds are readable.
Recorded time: h=8 m=20
